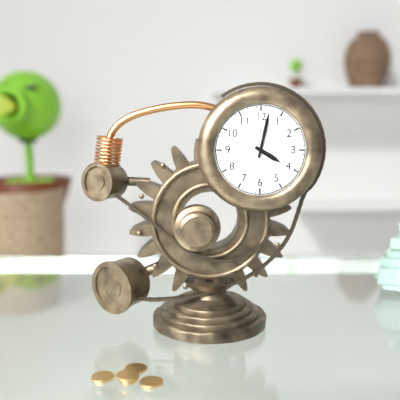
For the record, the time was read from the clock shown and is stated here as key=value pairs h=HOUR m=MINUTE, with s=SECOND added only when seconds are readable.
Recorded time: h=4 m=2
